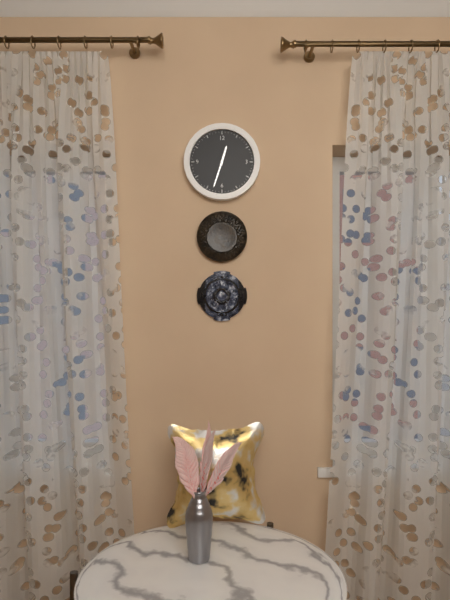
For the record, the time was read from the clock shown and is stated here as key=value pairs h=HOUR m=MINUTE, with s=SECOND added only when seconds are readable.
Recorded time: h=12 m=33
